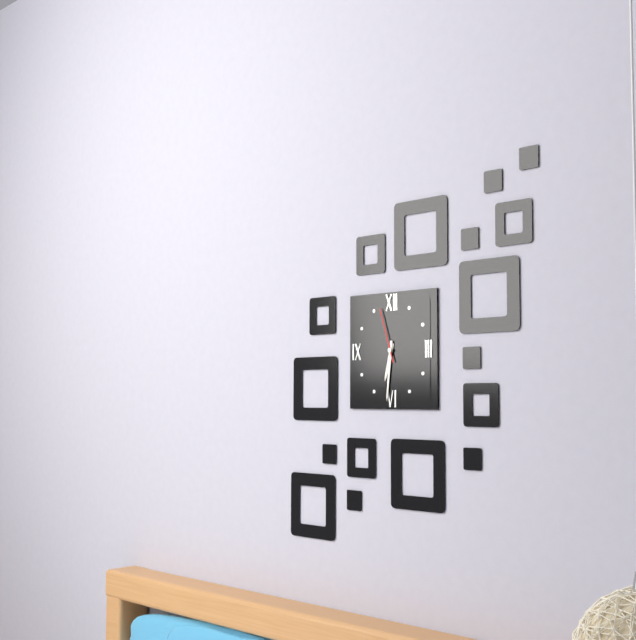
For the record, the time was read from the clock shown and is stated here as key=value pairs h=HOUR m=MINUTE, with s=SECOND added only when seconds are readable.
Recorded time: h=6 m=31 s=57
